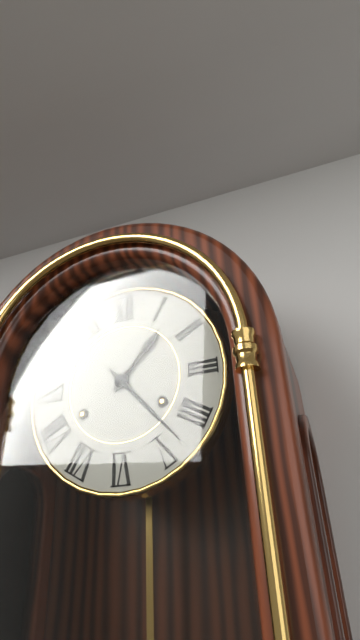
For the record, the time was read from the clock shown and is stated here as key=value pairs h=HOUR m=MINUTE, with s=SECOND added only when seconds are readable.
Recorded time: h=1 m=23
